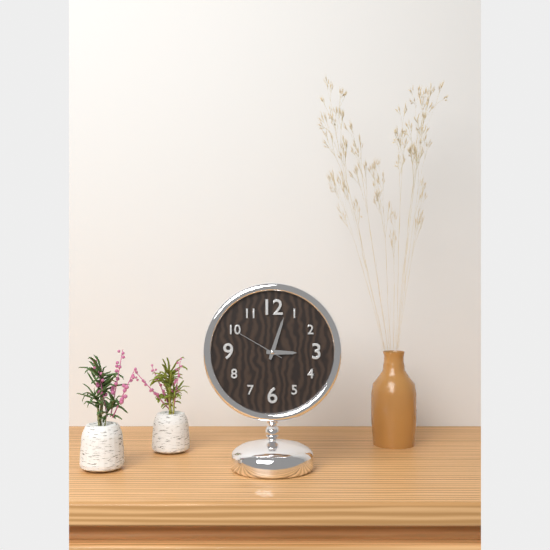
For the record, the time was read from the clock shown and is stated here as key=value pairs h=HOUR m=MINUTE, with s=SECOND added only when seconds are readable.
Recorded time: h=3 m=3 s=50
